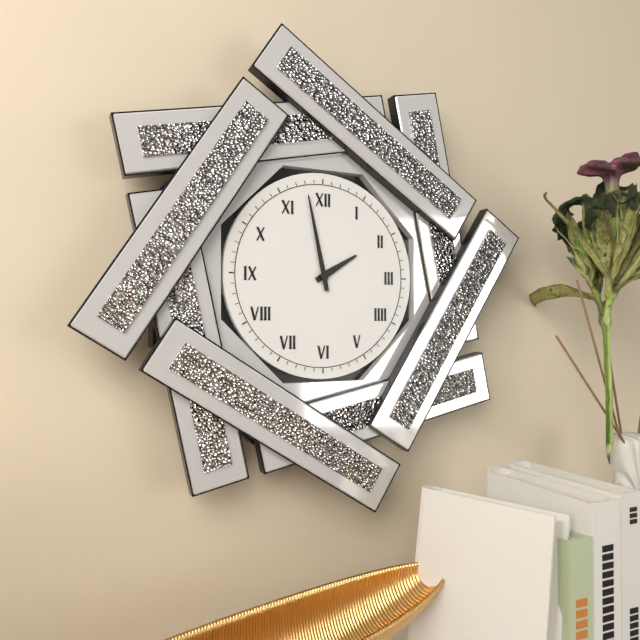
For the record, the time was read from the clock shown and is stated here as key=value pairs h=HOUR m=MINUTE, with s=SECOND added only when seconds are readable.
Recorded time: h=1 m=58
